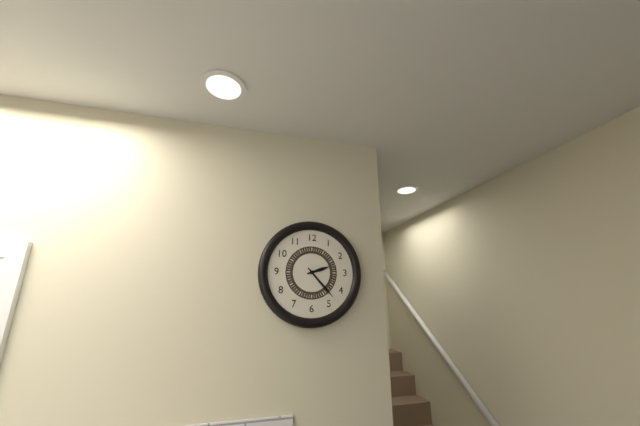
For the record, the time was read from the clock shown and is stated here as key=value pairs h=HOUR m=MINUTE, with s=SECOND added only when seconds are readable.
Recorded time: h=2 m=23
